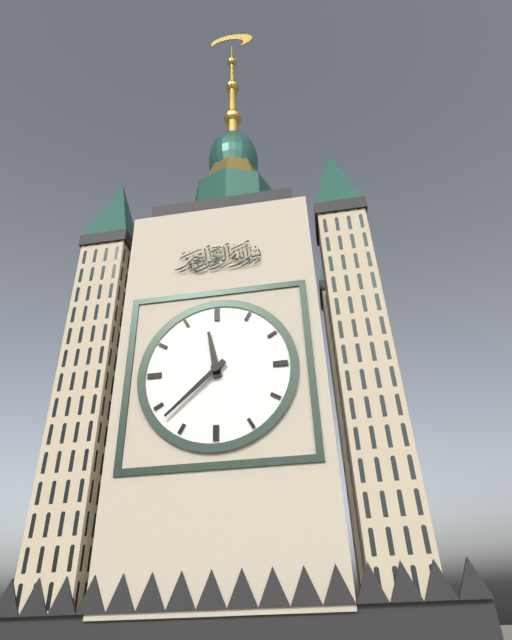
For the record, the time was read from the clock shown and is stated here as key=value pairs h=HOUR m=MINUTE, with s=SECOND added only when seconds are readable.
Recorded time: h=11 m=38
